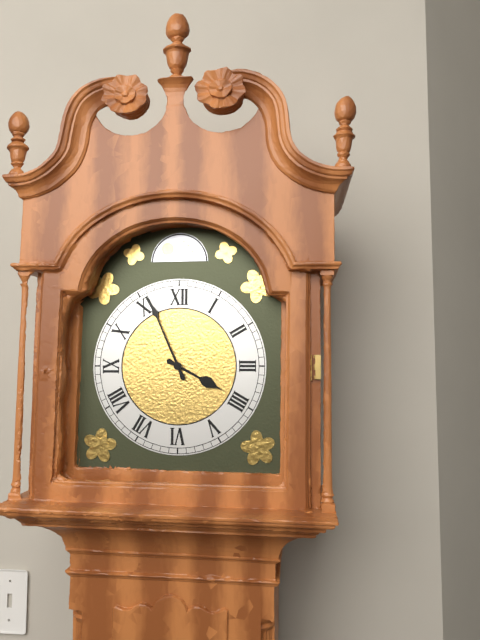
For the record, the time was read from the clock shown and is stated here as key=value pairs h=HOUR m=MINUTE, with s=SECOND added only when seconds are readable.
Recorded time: h=3 m=56
